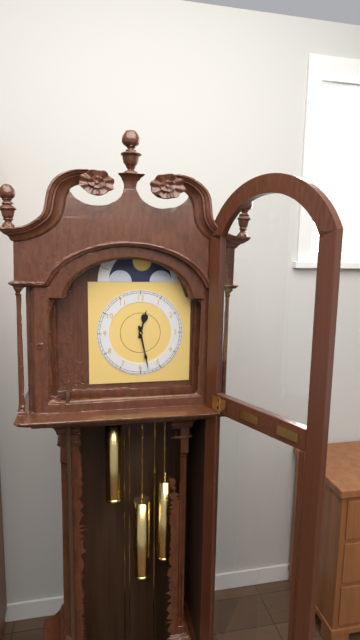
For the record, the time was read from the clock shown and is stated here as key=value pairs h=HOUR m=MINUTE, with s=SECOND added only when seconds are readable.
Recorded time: h=12 m=28
